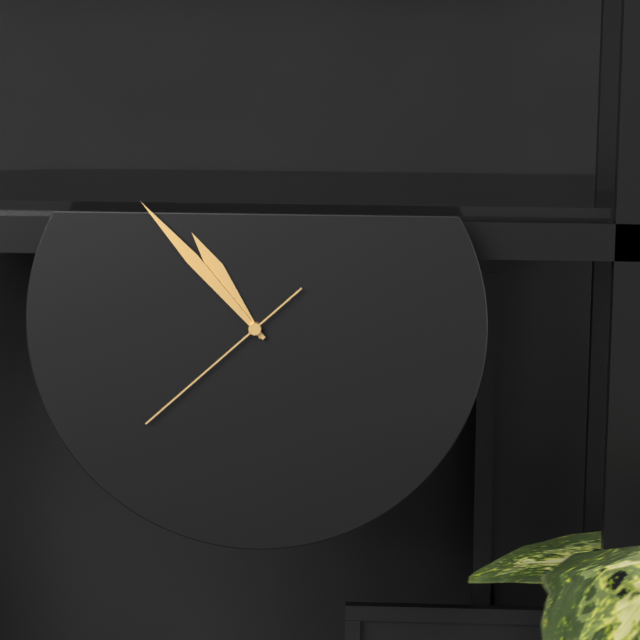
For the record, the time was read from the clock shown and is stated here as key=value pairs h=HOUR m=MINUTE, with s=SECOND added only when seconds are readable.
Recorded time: h=10 m=53 s=38
